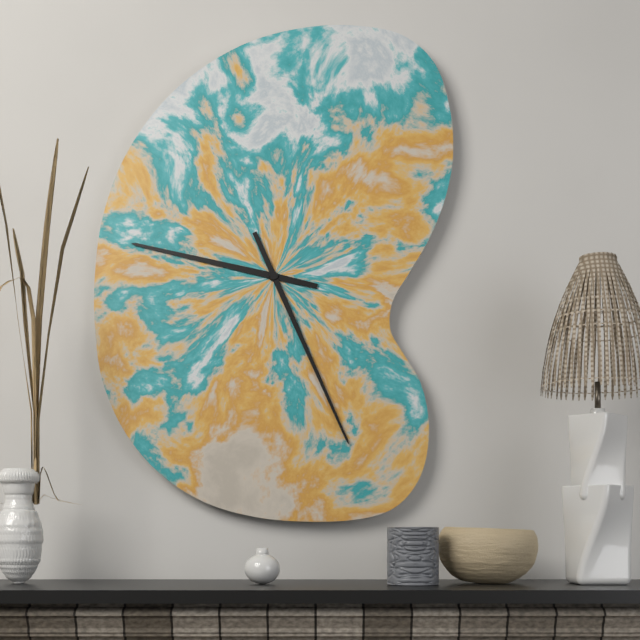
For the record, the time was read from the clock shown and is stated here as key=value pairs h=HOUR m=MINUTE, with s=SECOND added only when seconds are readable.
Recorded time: h=9 m=26
